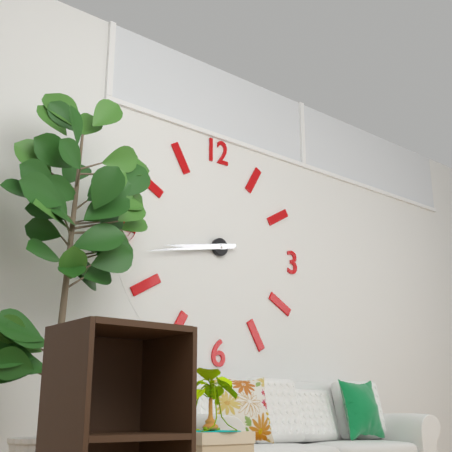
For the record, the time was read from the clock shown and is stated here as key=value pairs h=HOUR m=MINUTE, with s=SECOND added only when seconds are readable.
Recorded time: h=8 m=43
